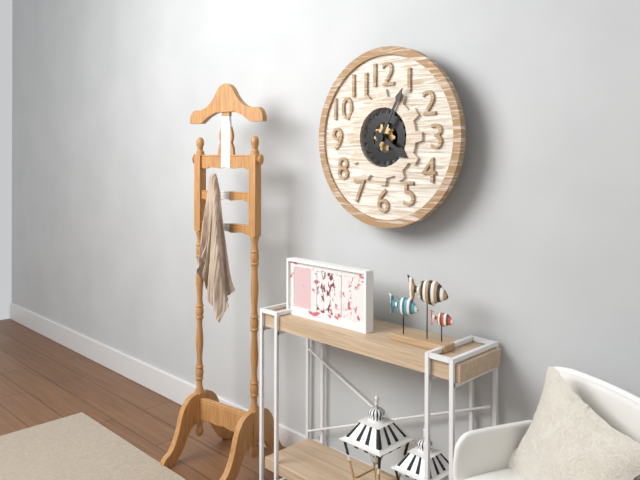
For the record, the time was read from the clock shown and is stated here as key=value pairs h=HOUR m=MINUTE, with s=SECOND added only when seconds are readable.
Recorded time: h=4 m=5
